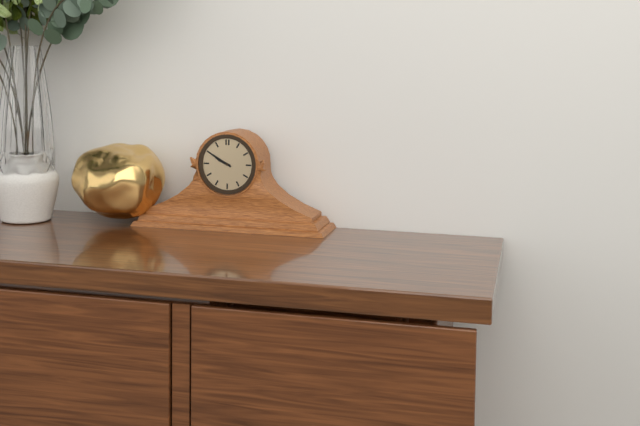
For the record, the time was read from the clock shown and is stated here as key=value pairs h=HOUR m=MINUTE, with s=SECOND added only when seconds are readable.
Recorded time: h=9 m=50
